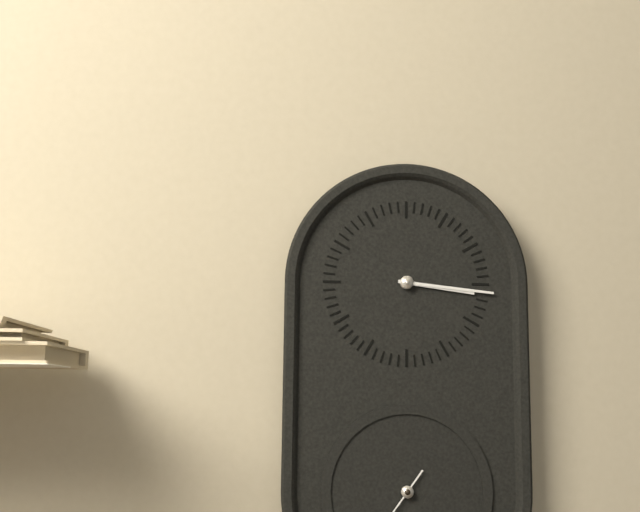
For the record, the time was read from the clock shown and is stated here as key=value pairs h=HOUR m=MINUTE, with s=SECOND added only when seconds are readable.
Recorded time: h=3 m=16
